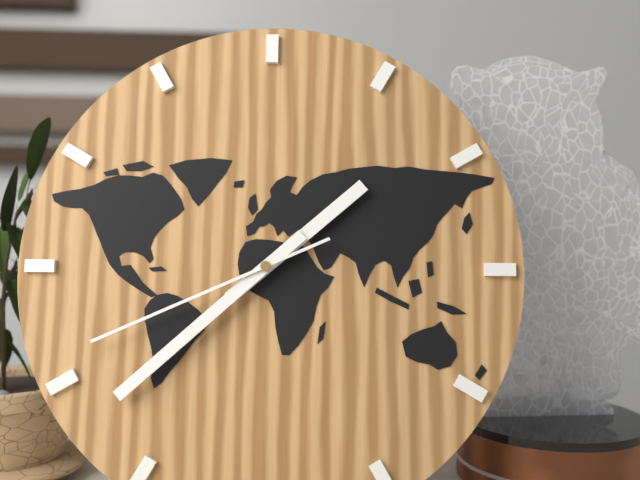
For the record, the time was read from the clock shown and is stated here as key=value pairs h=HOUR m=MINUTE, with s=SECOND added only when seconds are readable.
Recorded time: h=1 m=38 s=41
